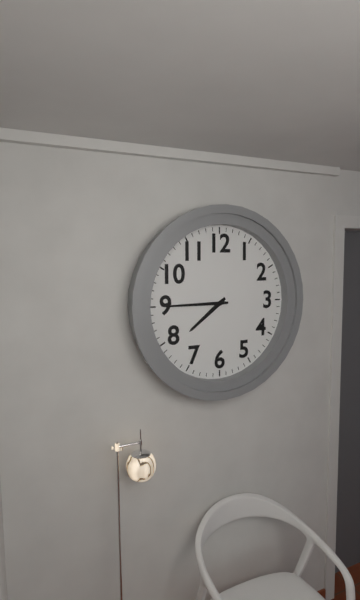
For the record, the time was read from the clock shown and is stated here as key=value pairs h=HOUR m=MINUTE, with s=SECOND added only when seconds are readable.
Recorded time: h=7 m=45
